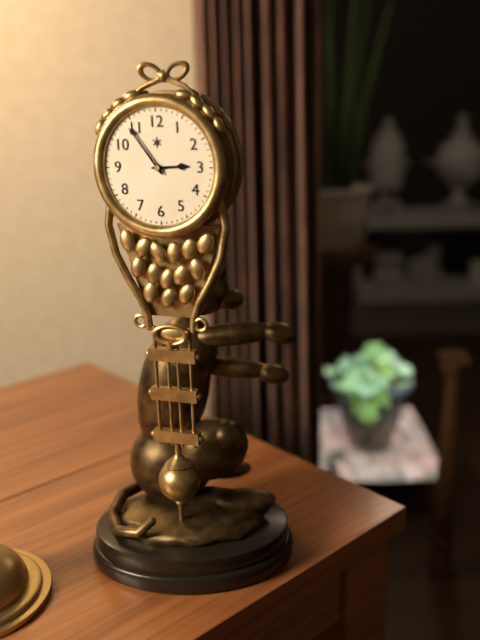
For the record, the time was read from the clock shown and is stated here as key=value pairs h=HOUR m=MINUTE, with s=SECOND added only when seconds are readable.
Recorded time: h=2 m=54
